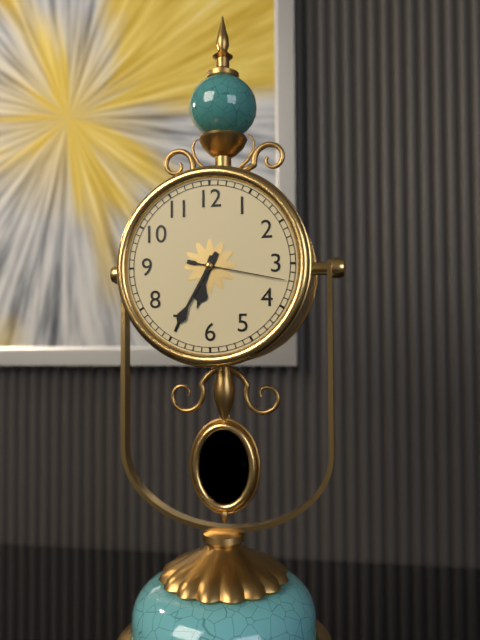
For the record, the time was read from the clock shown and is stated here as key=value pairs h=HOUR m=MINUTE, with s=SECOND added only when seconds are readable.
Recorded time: h=6 m=35 s=17
